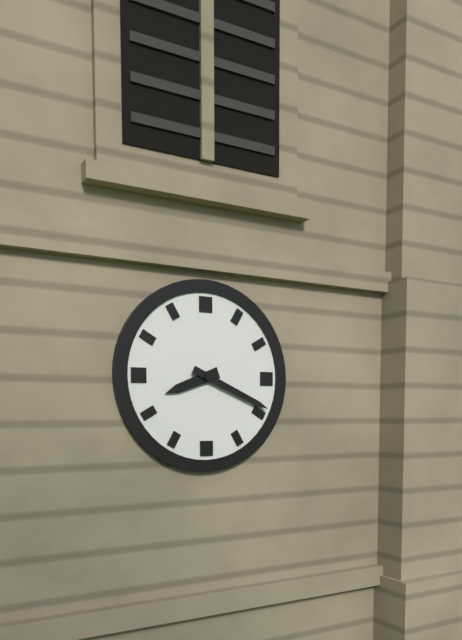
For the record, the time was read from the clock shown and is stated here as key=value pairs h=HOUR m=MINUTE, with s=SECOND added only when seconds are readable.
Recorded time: h=8 m=19
